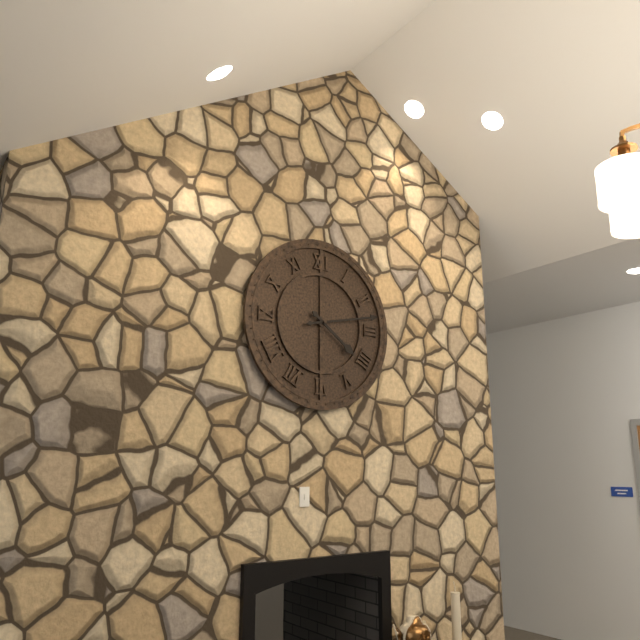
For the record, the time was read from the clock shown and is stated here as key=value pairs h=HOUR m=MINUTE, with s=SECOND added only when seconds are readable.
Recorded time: h=4 m=13
